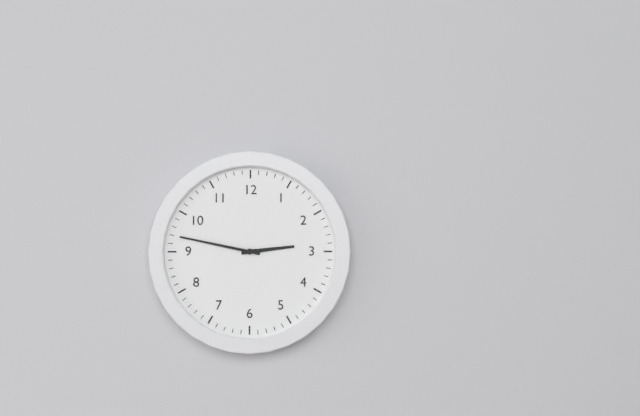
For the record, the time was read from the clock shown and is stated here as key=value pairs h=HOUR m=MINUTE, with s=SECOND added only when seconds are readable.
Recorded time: h=2 m=47
